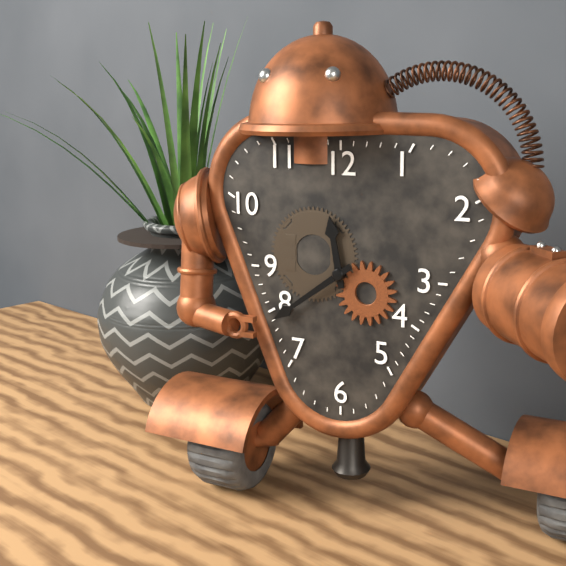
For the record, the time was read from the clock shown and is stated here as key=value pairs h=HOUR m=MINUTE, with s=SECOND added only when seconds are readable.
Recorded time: h=11 m=39
